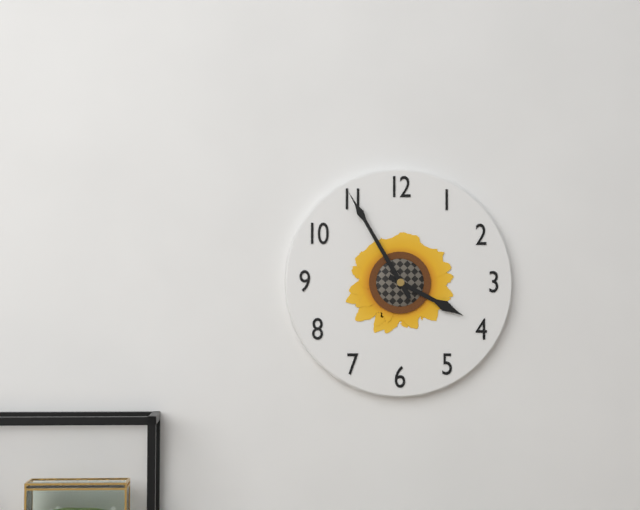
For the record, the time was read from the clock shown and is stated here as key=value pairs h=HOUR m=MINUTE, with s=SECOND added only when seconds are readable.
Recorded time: h=3 m=55
